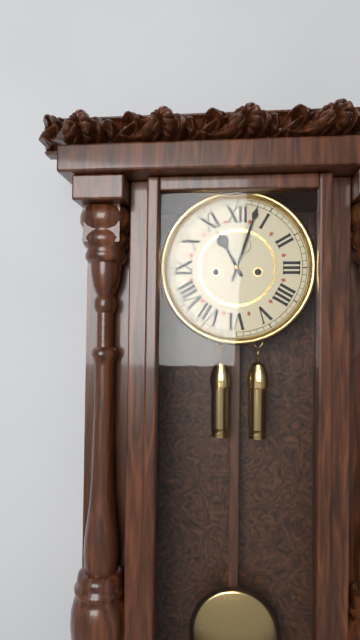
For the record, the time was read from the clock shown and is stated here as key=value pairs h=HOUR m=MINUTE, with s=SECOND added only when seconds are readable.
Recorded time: h=11 m=3
